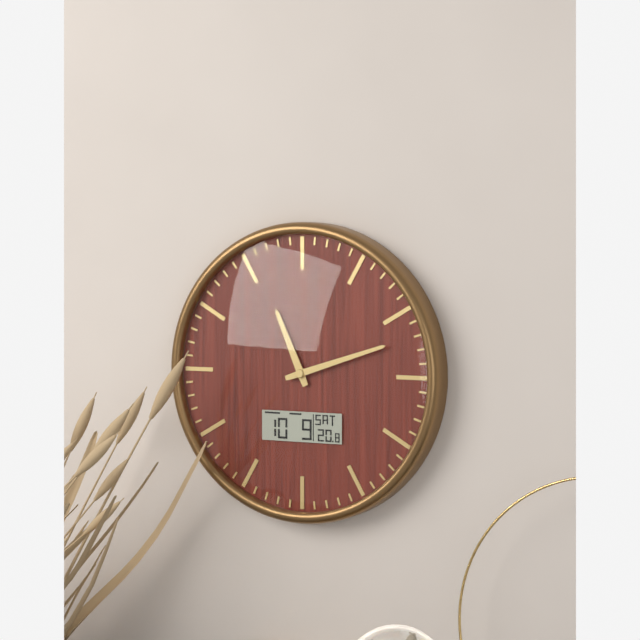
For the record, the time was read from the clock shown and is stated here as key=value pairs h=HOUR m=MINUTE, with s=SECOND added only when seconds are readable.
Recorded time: h=11 m=12
